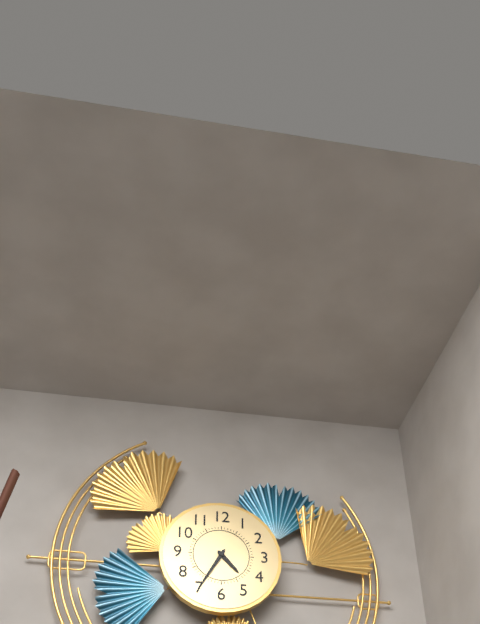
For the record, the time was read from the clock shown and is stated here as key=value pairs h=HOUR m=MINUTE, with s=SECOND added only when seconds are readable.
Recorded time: h=4 m=35
